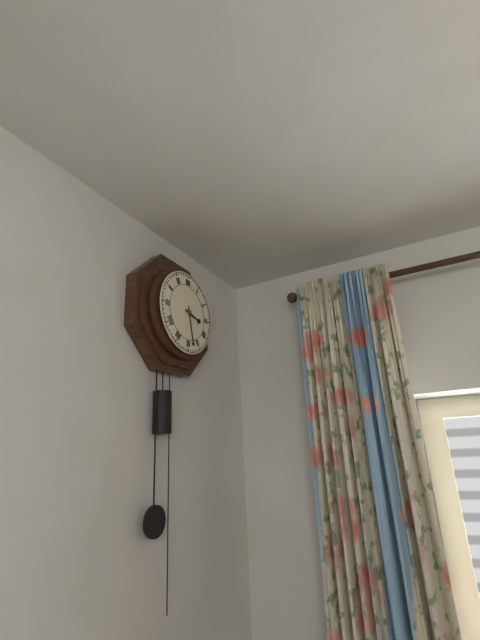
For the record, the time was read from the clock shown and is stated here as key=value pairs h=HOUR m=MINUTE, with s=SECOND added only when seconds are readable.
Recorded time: h=3 m=28
